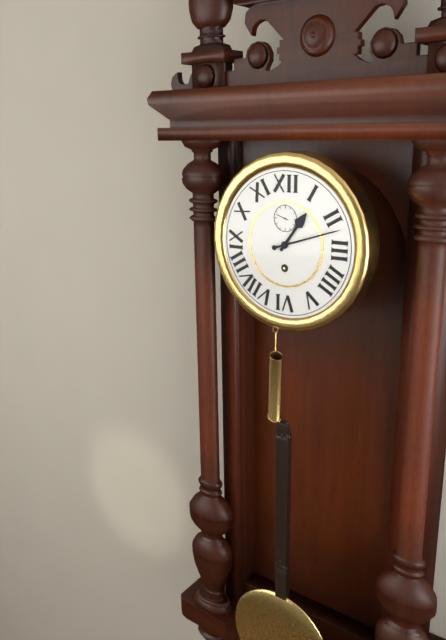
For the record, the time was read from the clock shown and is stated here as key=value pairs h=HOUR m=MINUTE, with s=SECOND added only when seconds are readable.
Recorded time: h=1 m=12
